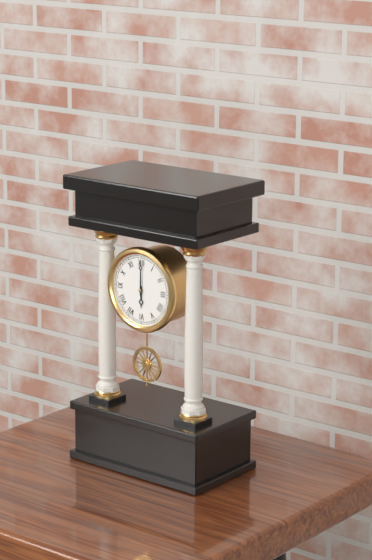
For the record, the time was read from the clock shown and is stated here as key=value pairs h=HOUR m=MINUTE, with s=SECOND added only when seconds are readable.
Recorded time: h=6 m=0
